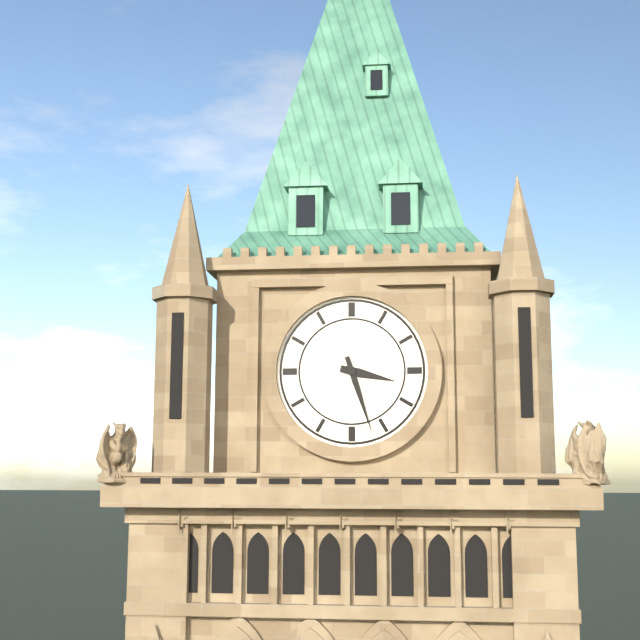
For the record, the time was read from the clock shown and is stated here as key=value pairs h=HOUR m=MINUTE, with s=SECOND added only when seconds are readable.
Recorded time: h=3 m=27
